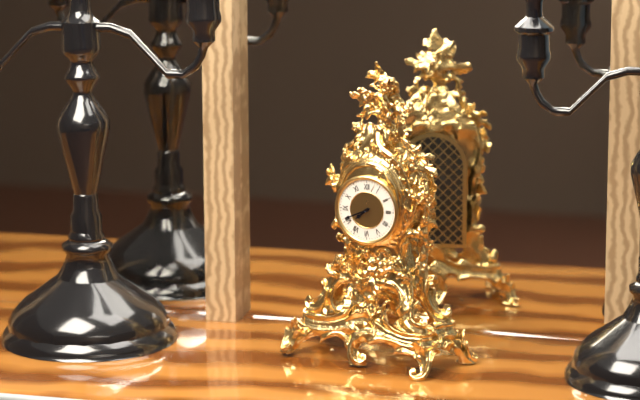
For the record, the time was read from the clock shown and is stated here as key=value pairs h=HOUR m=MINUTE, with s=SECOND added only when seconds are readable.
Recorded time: h=7 m=41
